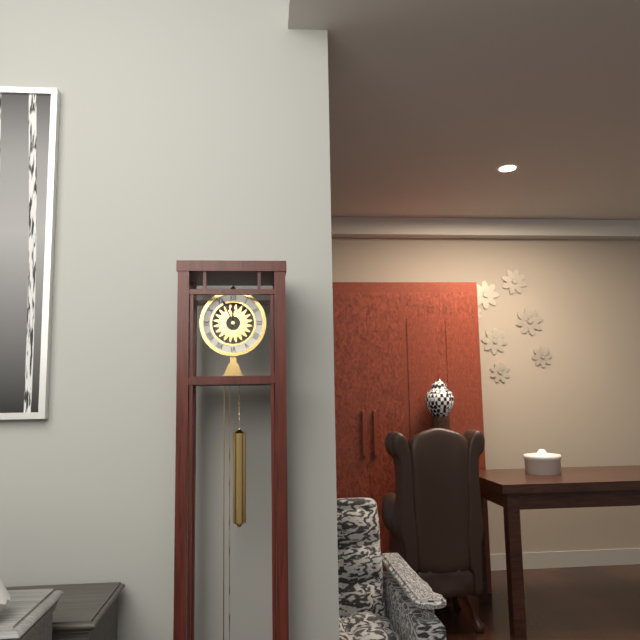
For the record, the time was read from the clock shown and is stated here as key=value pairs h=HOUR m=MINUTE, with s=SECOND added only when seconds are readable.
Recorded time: h=11 m=56
